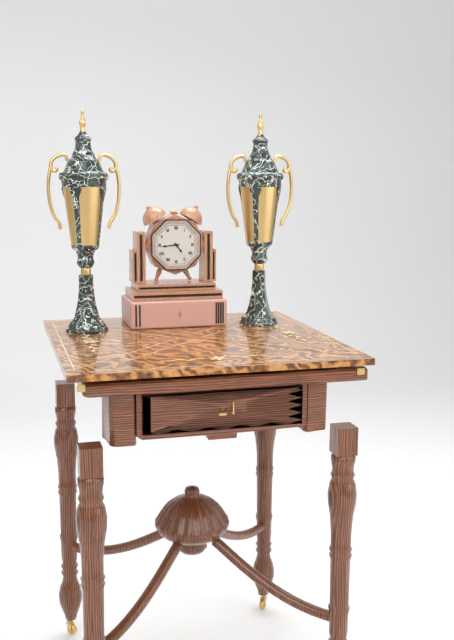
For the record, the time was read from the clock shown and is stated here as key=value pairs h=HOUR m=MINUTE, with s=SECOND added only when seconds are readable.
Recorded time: h=4 m=44
